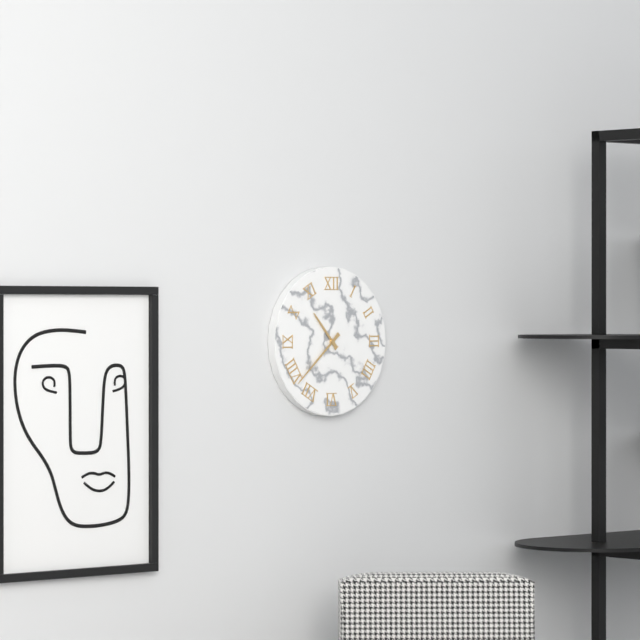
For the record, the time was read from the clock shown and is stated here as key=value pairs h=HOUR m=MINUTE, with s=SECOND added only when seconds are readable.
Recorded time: h=10 m=38
